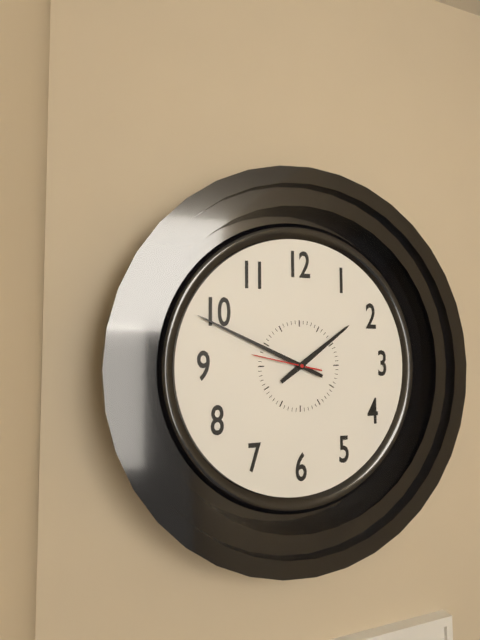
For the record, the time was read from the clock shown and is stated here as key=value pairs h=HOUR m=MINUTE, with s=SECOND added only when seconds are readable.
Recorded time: h=1 m=49 s=47
